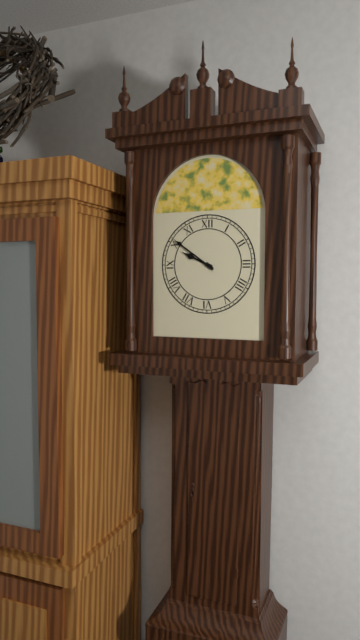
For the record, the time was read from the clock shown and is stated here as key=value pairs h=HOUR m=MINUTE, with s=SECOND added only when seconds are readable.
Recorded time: h=9 m=51
